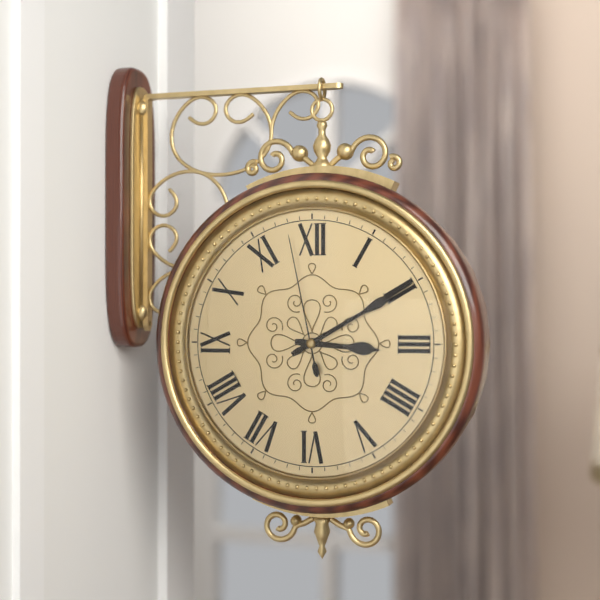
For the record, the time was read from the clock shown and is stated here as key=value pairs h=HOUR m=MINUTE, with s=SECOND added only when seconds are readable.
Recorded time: h=3 m=10 s=58
